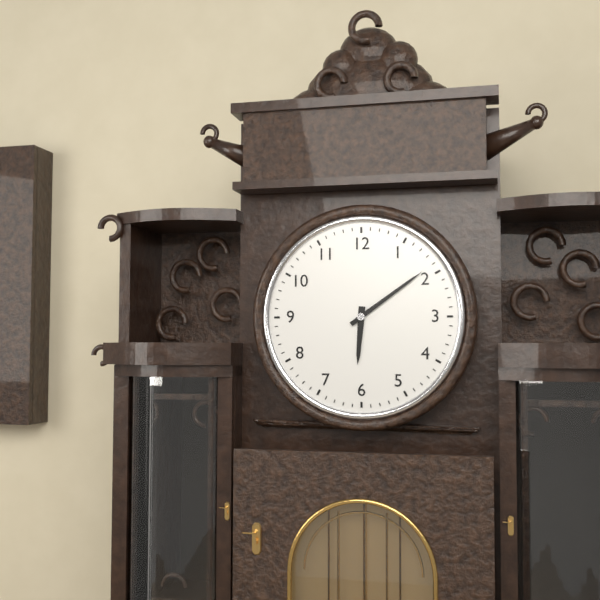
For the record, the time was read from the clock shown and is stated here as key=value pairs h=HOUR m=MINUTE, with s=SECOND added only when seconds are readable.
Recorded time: h=6 m=9
